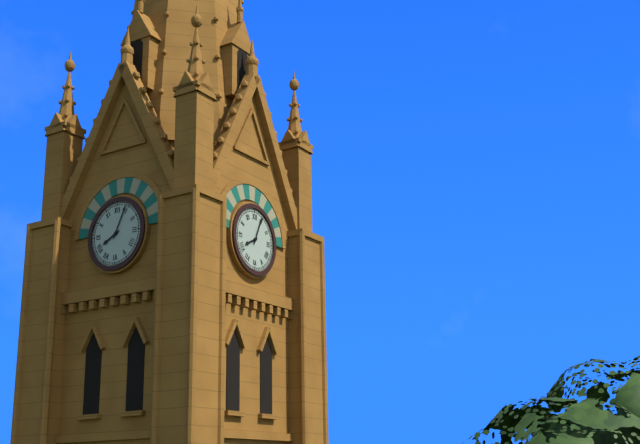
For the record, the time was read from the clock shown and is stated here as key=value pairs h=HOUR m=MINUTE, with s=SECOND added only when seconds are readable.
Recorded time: h=8 m=4
